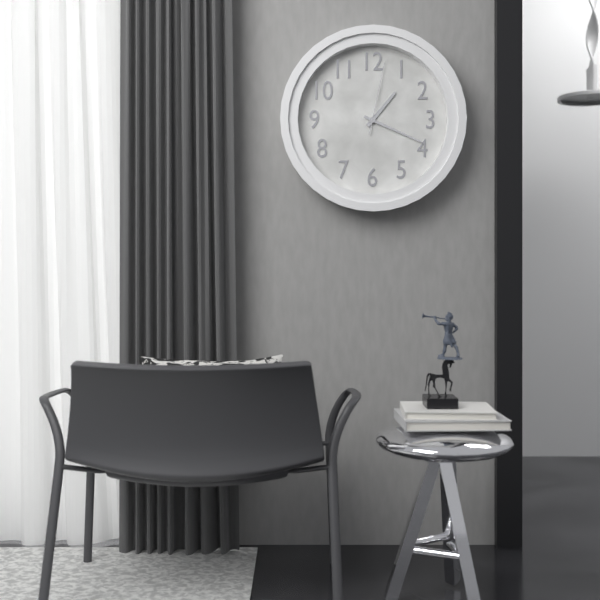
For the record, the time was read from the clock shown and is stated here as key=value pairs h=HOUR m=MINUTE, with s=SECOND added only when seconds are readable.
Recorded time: h=1 m=19 s=2
